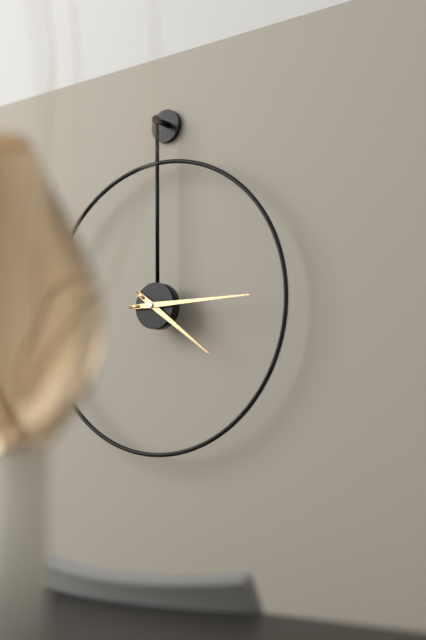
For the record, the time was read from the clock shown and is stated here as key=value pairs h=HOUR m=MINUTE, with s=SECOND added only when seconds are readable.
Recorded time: h=4 m=15
